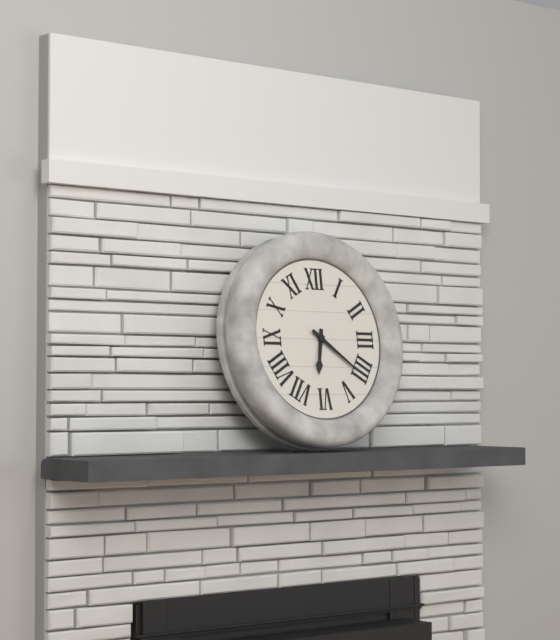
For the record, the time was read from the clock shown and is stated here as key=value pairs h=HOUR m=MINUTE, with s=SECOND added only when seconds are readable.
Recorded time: h=6 m=21
